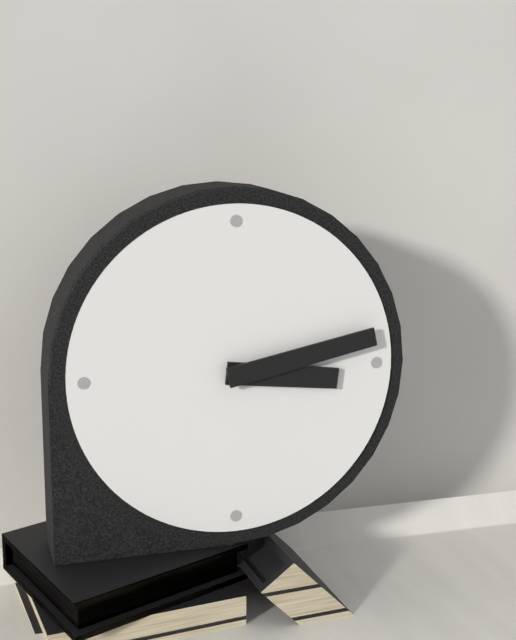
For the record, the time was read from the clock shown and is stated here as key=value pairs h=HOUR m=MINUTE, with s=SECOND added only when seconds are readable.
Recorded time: h=3 m=13
